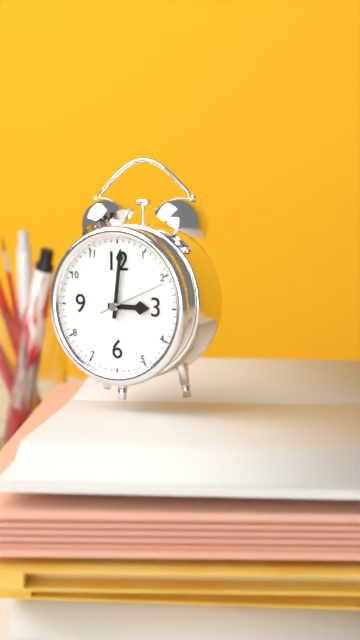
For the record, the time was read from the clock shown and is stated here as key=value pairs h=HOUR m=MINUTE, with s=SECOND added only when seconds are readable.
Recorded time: h=3 m=1 s=11
